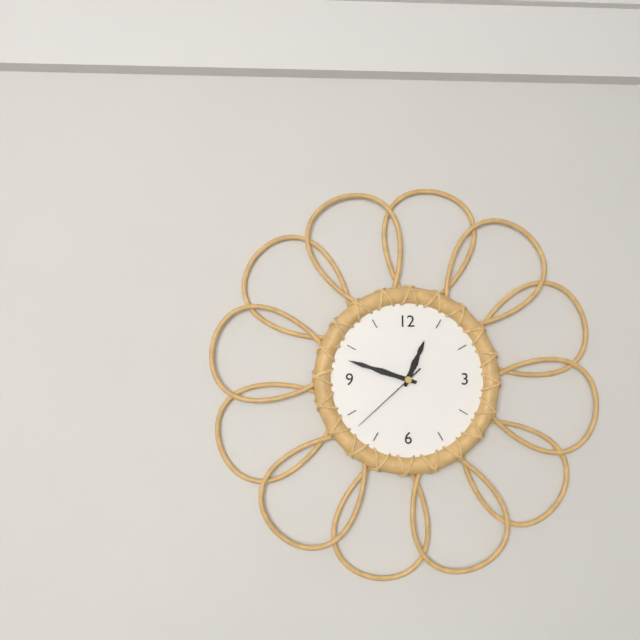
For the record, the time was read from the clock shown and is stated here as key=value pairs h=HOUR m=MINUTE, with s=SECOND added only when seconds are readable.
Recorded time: h=12 m=48 s=38
